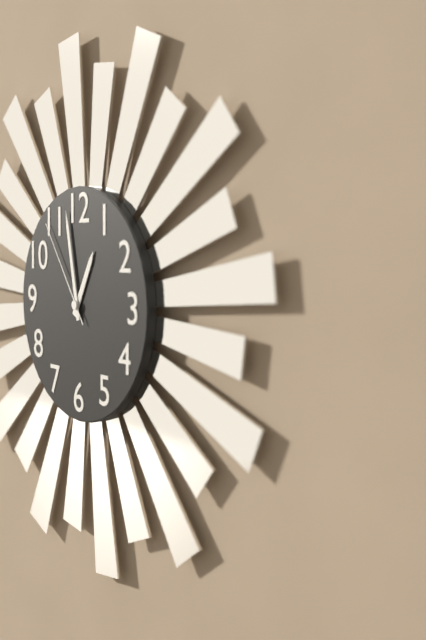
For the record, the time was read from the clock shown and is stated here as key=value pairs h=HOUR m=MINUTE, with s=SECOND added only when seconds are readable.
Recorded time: h=12 m=58 s=54
